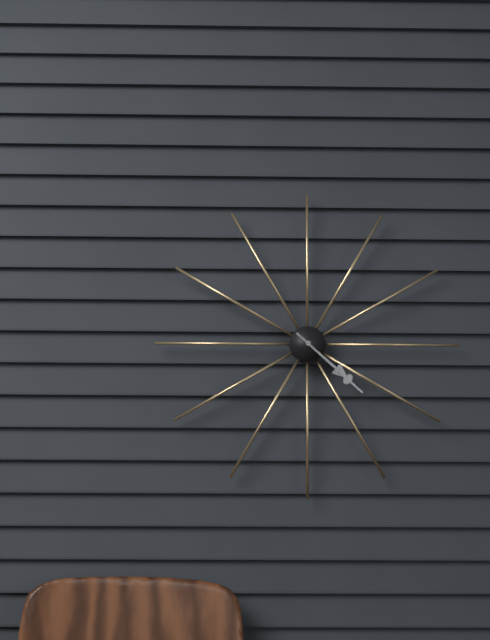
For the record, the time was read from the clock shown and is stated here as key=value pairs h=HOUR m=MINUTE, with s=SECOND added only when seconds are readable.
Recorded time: h=4 m=22
